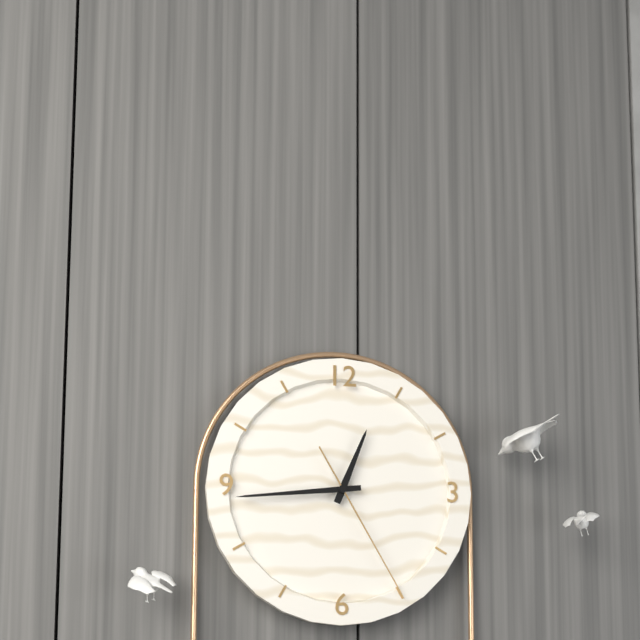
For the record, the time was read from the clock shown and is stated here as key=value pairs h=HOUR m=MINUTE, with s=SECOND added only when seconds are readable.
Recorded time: h=12 m=44 s=25
